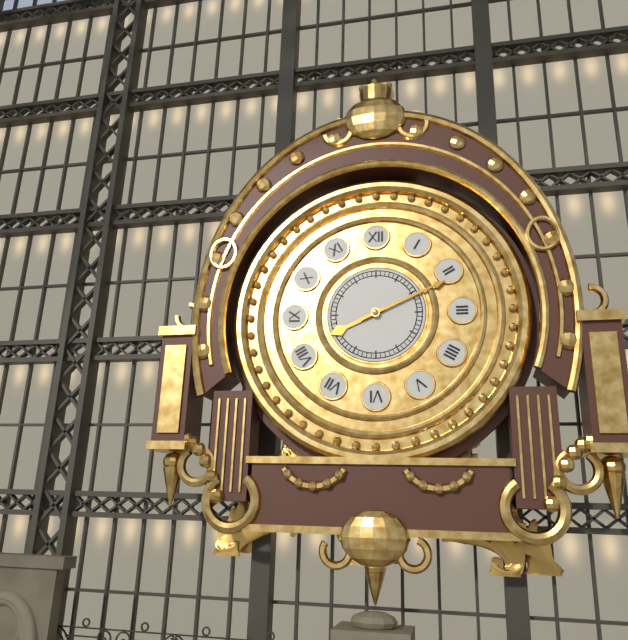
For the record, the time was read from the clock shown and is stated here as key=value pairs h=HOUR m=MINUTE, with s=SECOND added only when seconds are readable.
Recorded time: h=8 m=11
